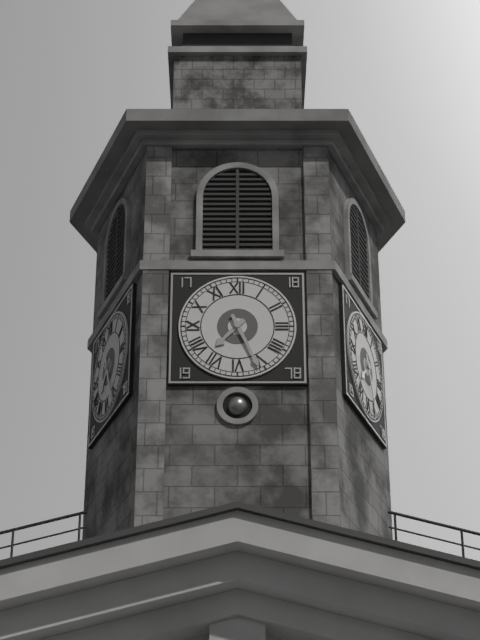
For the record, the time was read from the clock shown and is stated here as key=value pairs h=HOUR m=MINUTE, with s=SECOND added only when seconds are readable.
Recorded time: h=7 m=26
